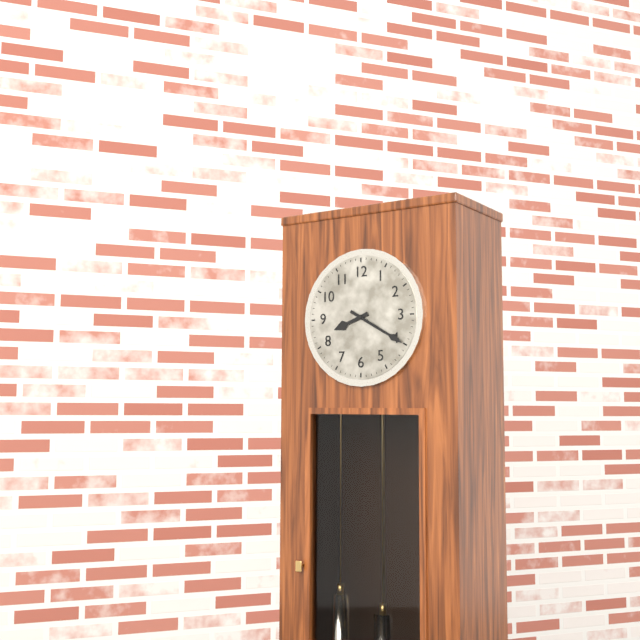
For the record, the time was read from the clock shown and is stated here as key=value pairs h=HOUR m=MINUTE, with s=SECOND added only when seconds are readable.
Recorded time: h=8 m=20
